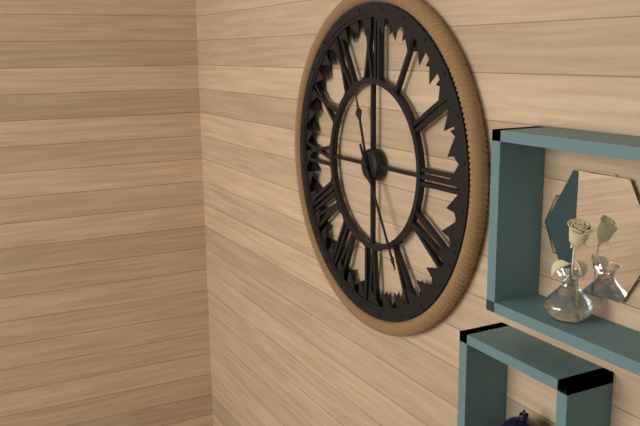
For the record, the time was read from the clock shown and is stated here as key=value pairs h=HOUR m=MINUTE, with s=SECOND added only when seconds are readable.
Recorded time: h=11 m=25
